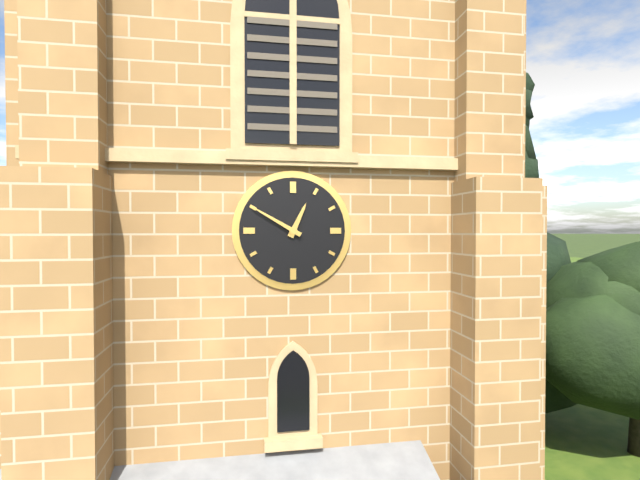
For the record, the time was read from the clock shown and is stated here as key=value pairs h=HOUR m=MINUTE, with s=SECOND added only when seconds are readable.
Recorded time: h=12 m=50
